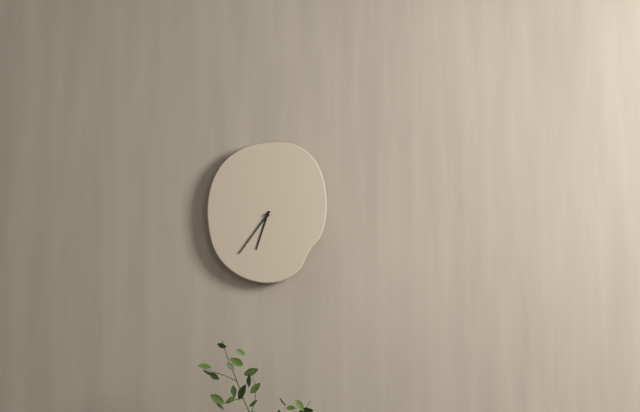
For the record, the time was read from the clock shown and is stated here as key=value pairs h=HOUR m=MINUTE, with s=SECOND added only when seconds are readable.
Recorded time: h=6 m=36
